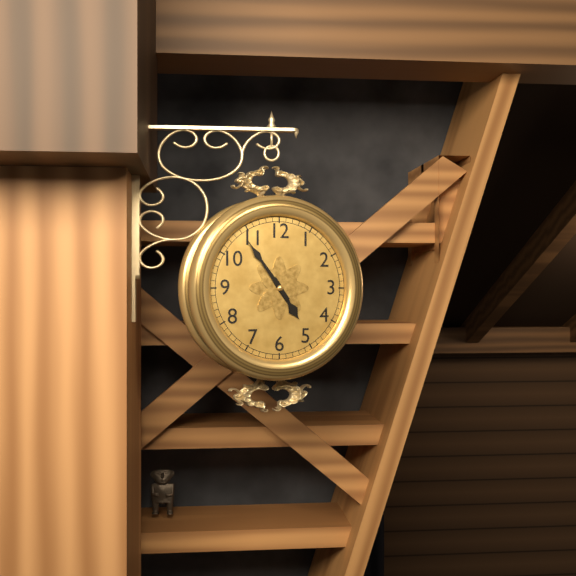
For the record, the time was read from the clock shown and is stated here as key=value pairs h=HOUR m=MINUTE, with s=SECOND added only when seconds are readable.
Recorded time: h=4 m=54
